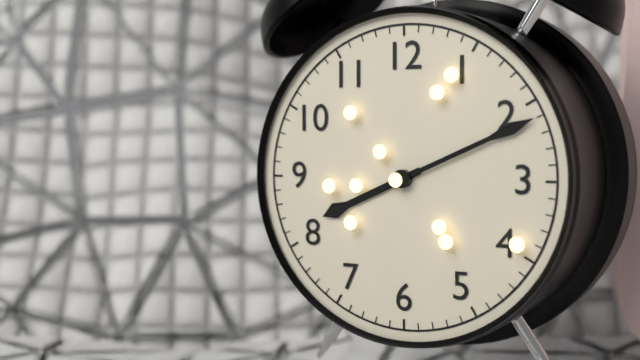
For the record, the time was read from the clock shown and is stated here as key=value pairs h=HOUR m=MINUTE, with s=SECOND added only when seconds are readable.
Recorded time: h=8 m=11
